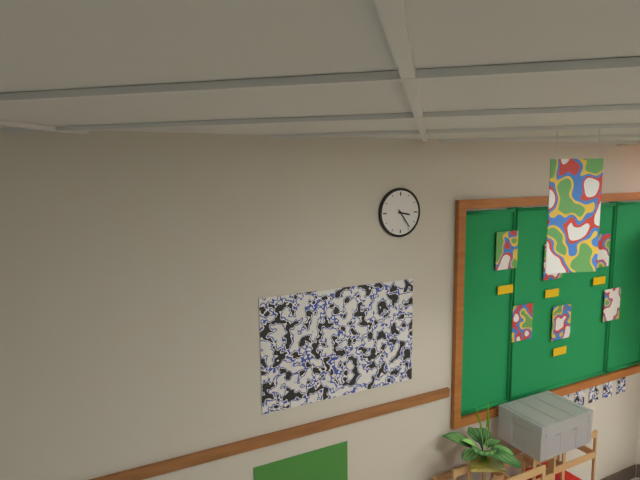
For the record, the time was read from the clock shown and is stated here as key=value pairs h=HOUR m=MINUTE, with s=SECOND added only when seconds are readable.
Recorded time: h=3 m=24
